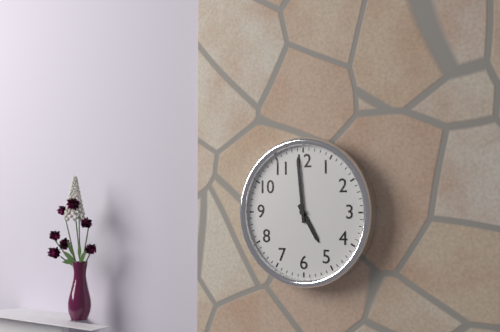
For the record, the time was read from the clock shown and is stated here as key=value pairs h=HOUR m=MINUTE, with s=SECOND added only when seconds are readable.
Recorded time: h=4 m=59
